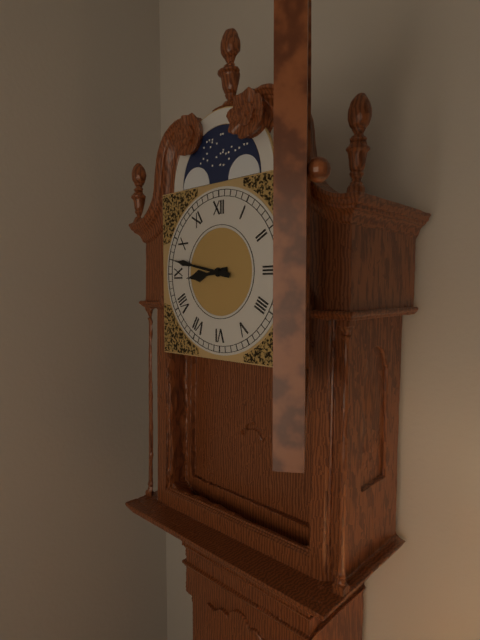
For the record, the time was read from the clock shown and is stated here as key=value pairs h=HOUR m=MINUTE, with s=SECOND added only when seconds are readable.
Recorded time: h=8 m=47
